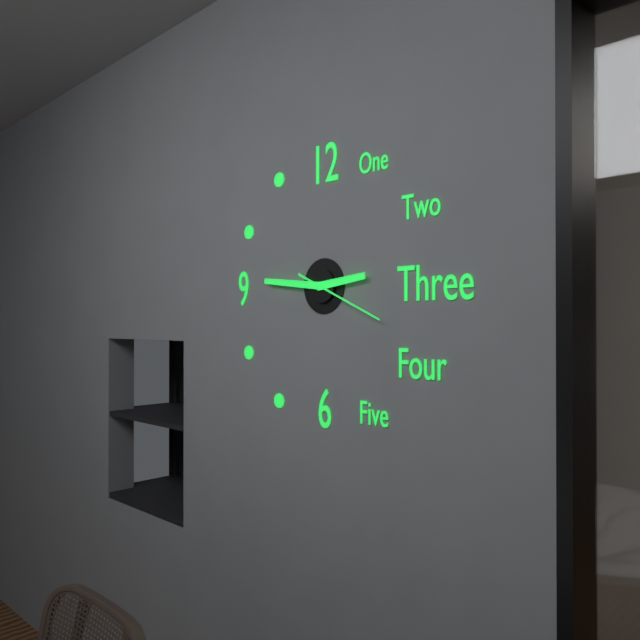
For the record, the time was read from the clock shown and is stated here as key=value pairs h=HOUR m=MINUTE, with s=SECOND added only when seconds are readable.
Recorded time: h=2 m=46 s=19
